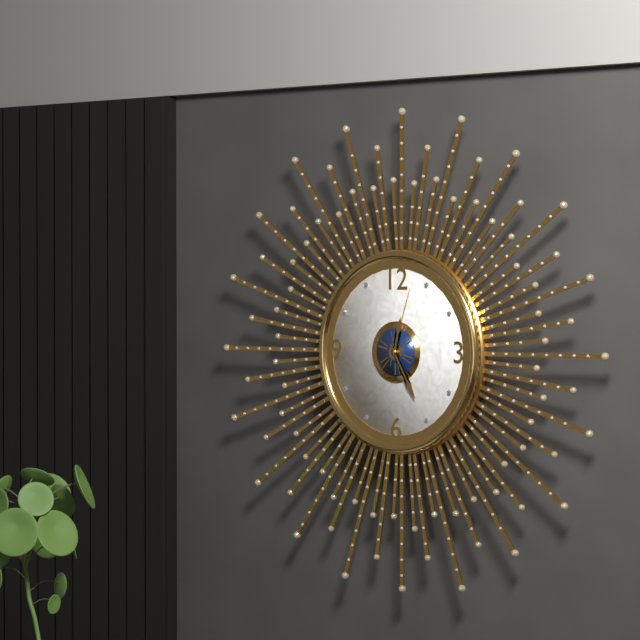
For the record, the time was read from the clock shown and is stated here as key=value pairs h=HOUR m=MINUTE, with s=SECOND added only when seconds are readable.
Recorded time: h=12 m=25 s=3
